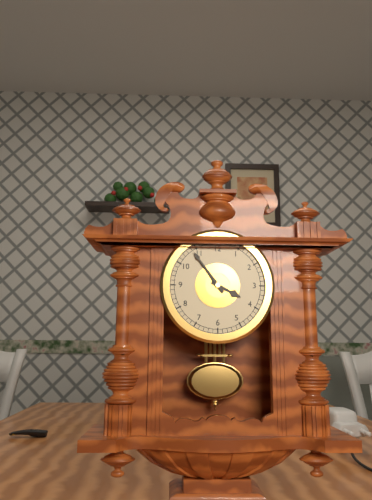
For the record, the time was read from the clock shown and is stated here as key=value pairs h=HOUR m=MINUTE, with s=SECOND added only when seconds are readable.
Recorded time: h=3 m=54
